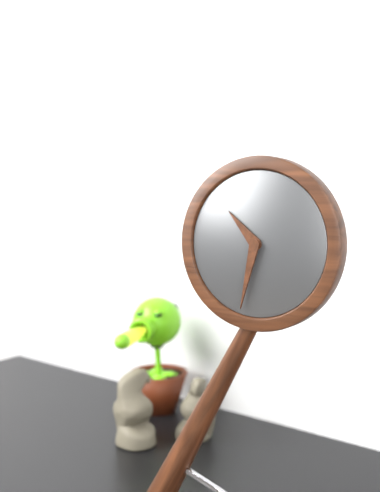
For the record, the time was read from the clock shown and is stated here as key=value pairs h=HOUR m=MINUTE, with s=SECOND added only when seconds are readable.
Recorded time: h=10 m=32
